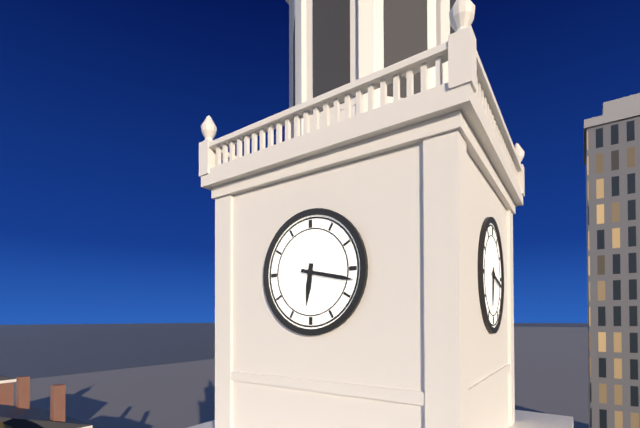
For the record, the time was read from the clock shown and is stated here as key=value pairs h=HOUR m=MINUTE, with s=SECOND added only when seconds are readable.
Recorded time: h=6 m=17
